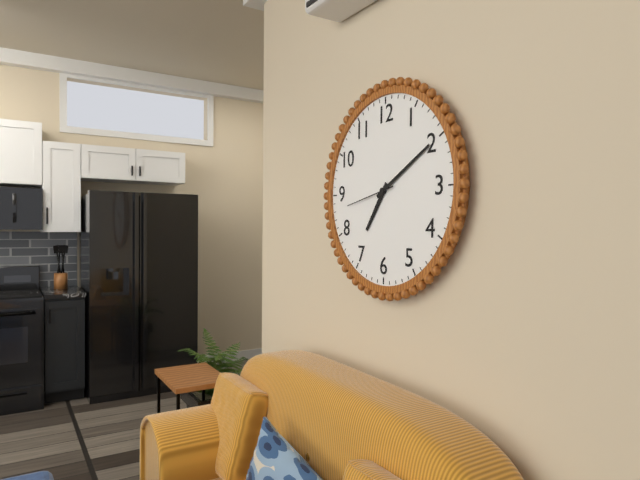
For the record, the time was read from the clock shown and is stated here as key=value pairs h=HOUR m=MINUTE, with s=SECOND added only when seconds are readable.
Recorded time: h=7 m=10 s=43
